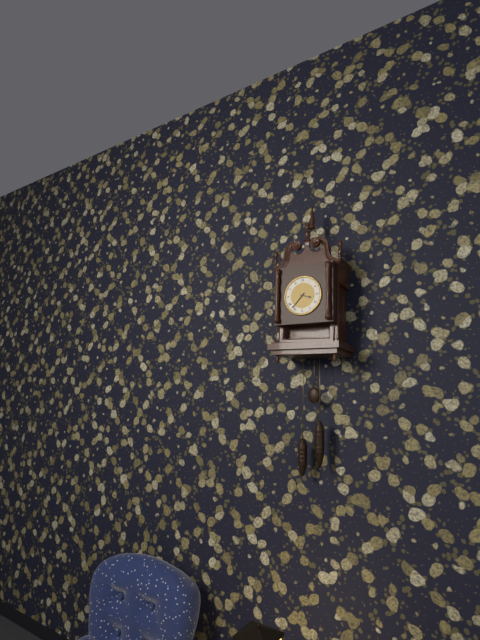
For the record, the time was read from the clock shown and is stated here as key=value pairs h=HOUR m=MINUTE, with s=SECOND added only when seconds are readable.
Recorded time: h=3 m=37
